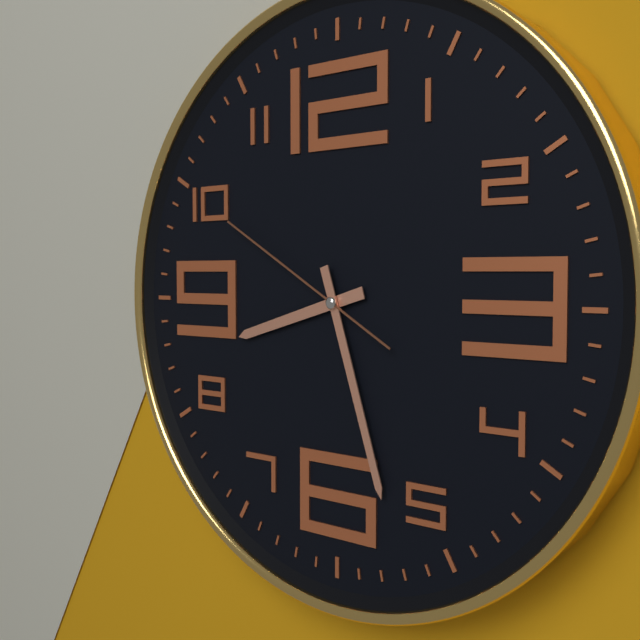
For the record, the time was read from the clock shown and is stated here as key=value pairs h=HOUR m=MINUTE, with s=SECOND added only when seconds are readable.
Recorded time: h=8 m=27 s=50
